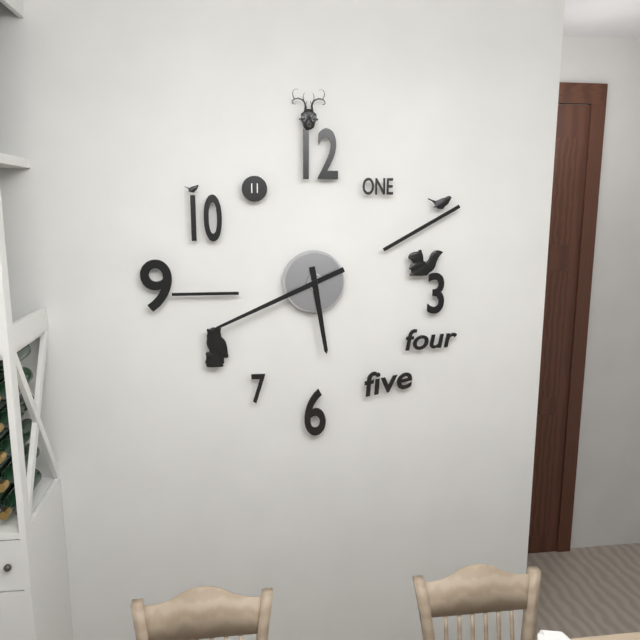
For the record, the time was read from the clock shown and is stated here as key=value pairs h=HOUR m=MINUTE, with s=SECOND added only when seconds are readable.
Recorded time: h=5 m=41
